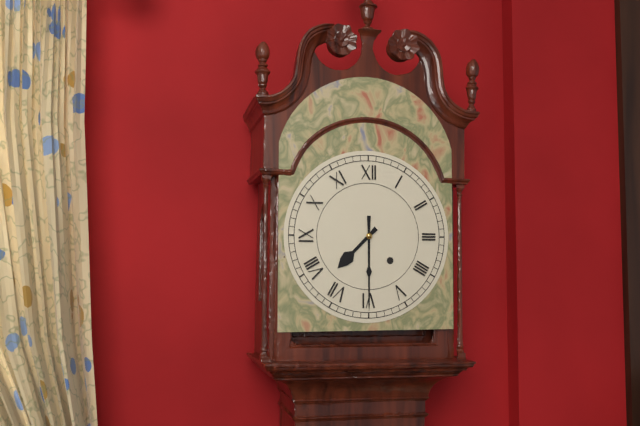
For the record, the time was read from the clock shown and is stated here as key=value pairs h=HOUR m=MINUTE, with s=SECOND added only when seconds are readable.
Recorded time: h=7 m=30
